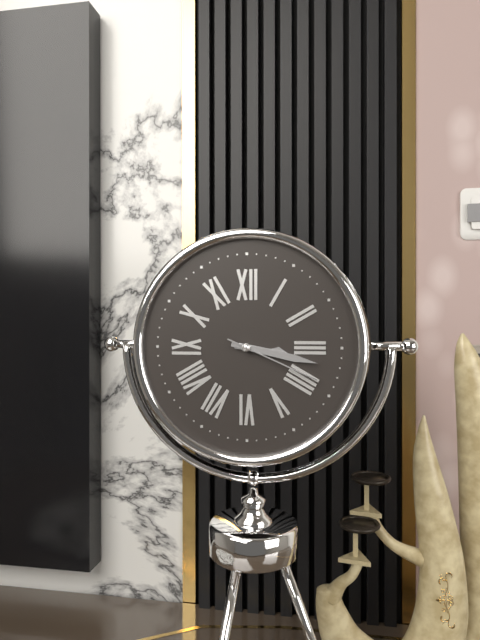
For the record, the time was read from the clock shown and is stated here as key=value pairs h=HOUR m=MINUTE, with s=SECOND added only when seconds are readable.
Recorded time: h=3 m=17 s=19
